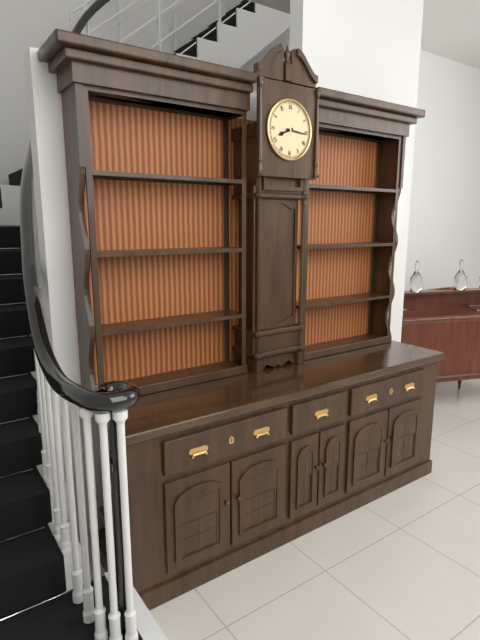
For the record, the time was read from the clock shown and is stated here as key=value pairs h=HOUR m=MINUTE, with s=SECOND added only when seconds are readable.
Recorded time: h=8 m=16
